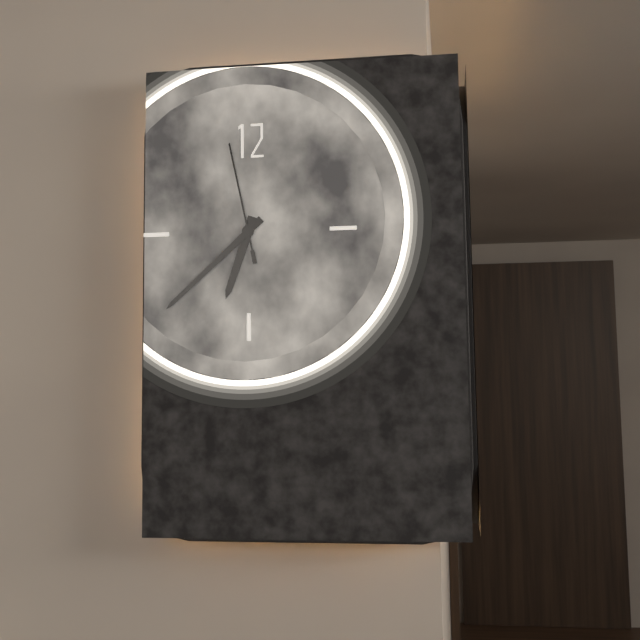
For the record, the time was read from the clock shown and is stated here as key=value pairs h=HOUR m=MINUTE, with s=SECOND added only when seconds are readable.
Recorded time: h=6 m=38 s=58
